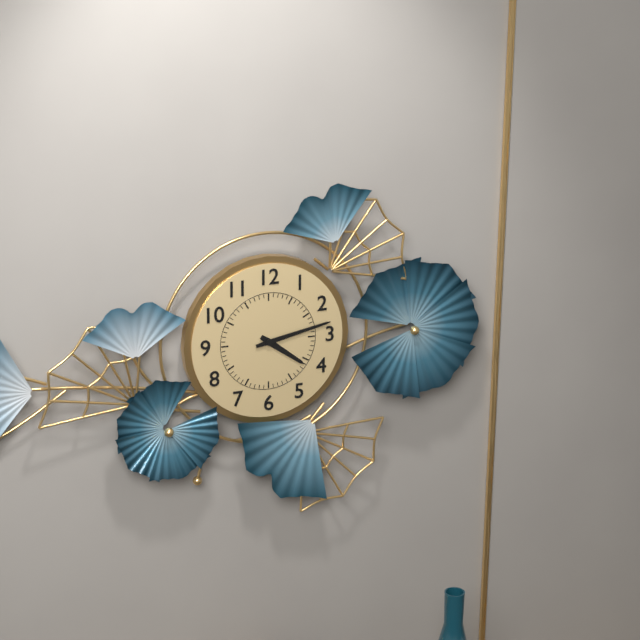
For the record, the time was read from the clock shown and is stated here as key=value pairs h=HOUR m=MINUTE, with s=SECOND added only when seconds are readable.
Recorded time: h=4 m=13
